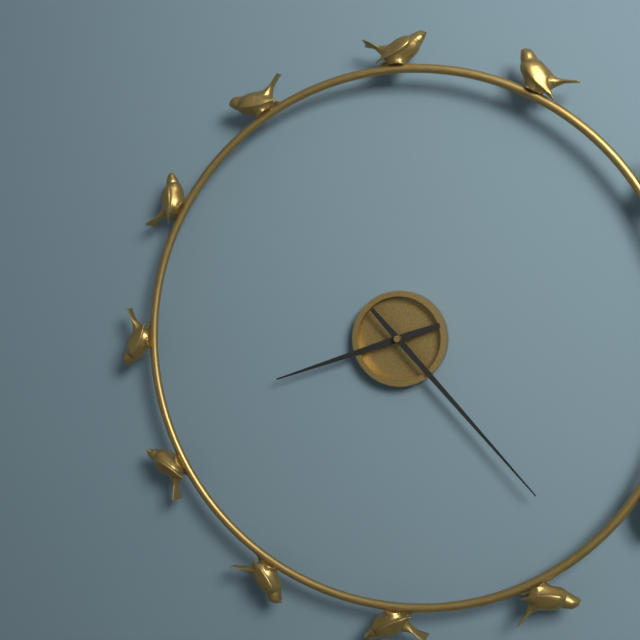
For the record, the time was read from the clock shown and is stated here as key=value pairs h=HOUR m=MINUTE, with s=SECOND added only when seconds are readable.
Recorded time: h=8 m=23
